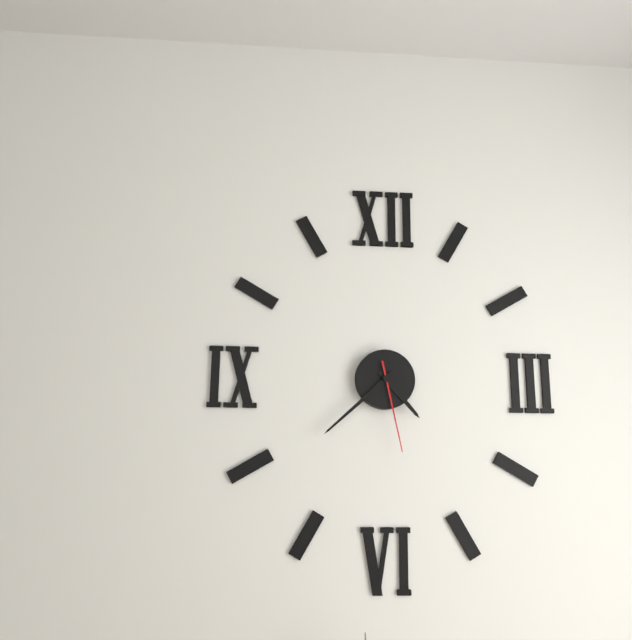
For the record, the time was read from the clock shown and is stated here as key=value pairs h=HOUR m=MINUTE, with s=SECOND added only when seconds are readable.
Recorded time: h=4 m=38 s=28
